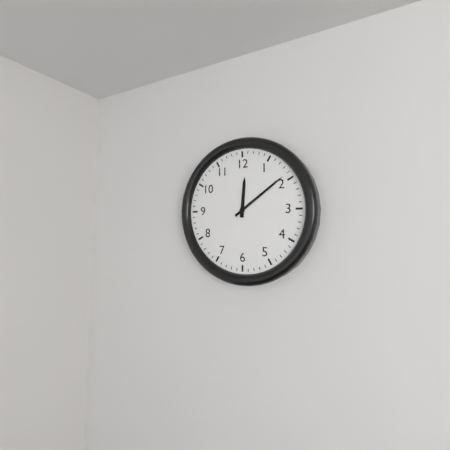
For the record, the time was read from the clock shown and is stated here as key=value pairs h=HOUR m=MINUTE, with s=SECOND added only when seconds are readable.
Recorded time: h=12 m=9
